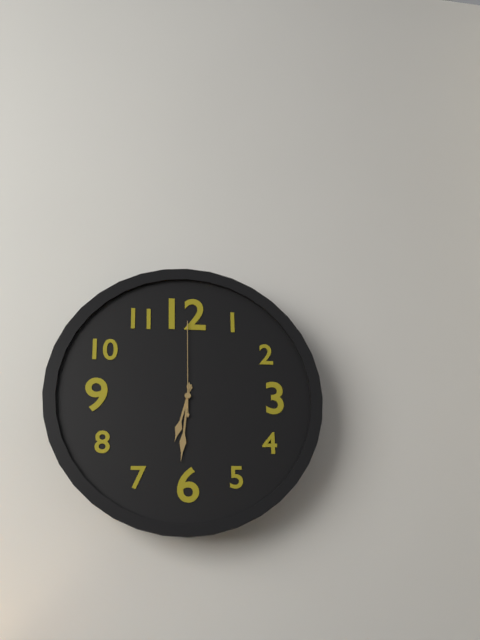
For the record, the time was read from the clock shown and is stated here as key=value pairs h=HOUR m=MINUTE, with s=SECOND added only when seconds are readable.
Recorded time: h=6 m=31 s=0
